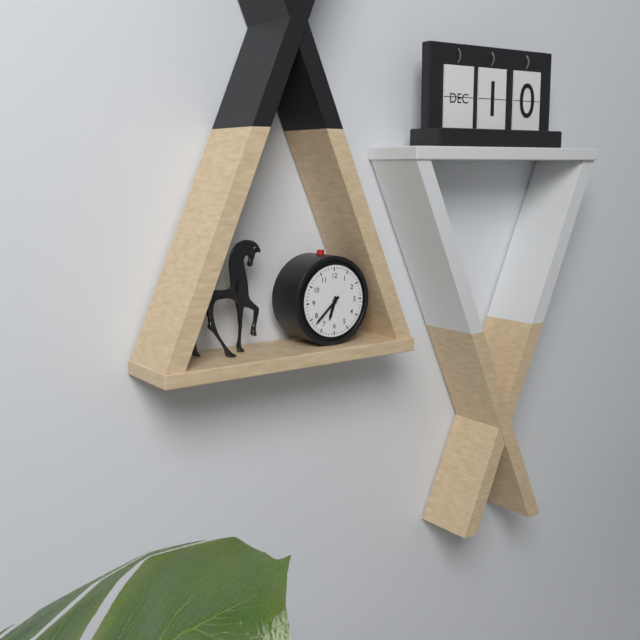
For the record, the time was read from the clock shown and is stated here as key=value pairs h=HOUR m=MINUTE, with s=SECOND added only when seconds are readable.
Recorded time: h=6 m=38
